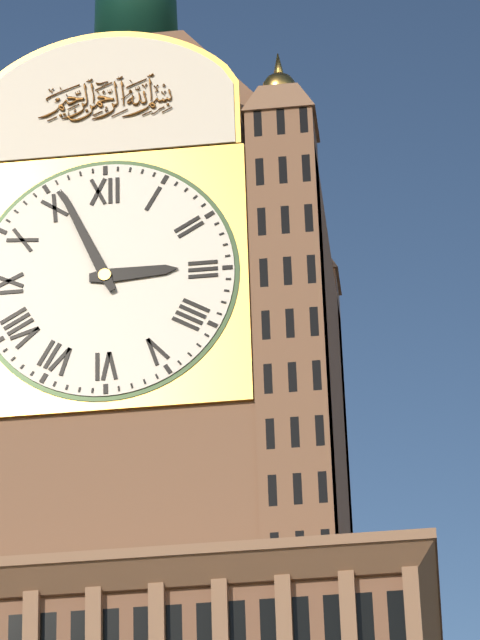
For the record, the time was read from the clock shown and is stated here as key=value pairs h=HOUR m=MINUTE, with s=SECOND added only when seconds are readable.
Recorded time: h=2 m=56
